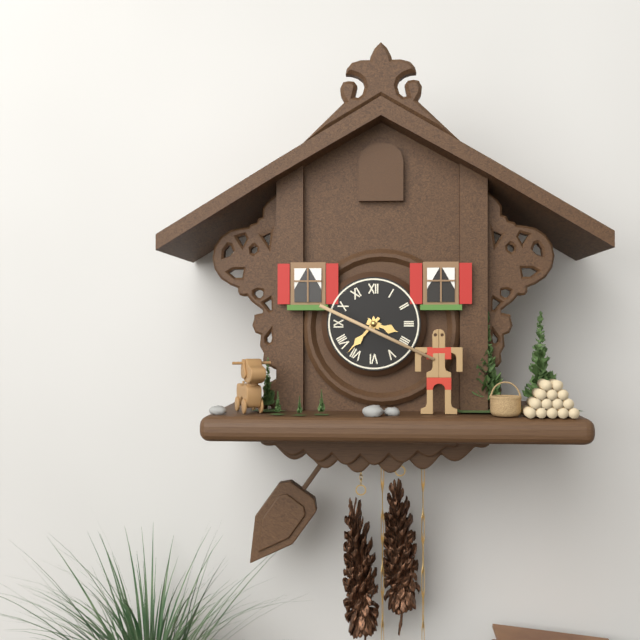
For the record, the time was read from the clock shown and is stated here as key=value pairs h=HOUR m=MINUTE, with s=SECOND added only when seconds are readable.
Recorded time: h=3 m=37
